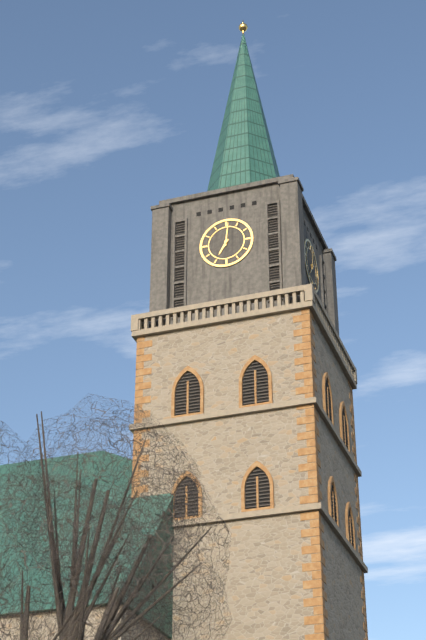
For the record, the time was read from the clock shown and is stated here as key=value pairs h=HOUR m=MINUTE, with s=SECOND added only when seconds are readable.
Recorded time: h=7 m=1
